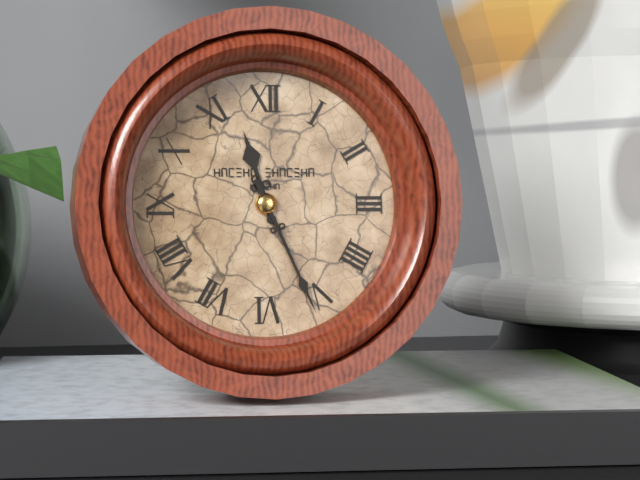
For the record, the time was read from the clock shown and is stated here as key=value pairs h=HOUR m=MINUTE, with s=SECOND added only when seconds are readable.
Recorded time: h=11 m=26
